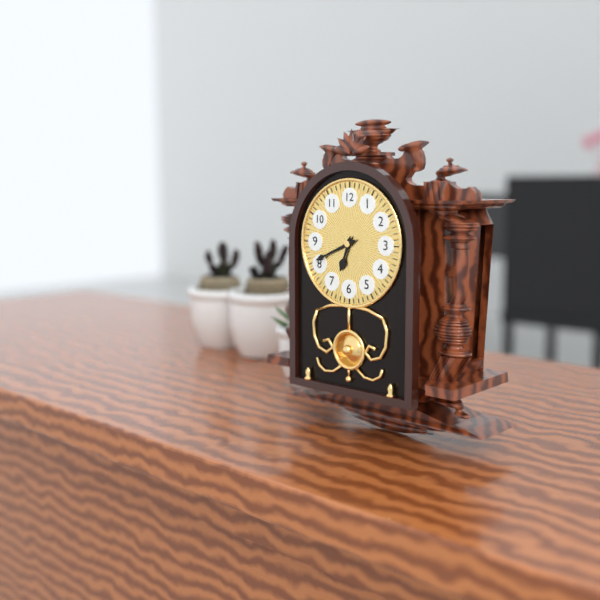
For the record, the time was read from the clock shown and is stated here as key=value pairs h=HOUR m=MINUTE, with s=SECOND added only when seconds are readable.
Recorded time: h=6 m=41
